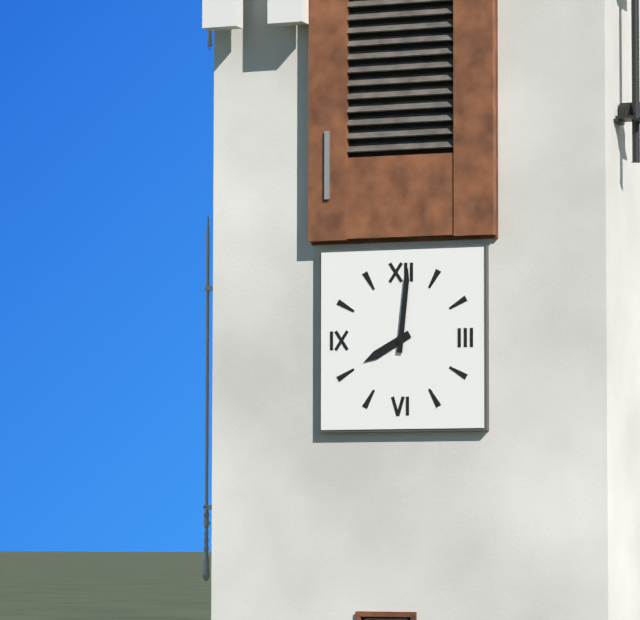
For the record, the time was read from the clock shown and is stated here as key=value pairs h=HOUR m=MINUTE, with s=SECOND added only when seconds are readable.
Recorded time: h=8 m=1
